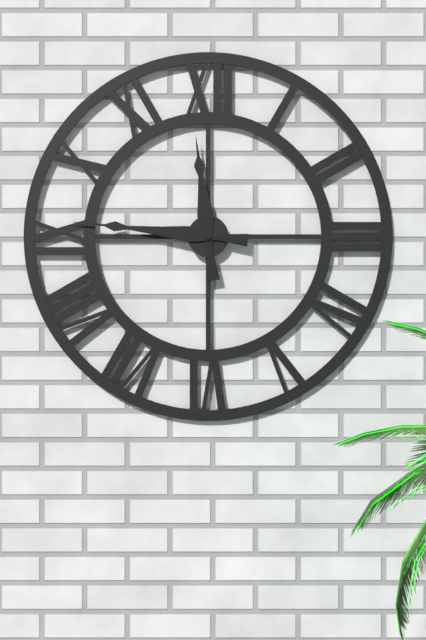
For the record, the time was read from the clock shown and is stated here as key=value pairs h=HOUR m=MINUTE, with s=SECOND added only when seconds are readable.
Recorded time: h=11 m=46
